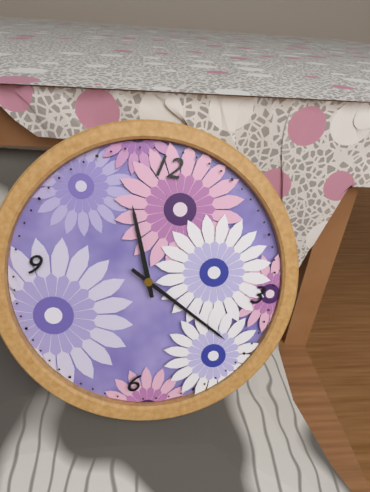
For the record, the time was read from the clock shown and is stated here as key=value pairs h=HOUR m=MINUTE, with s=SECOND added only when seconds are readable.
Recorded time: h=11 m=20
